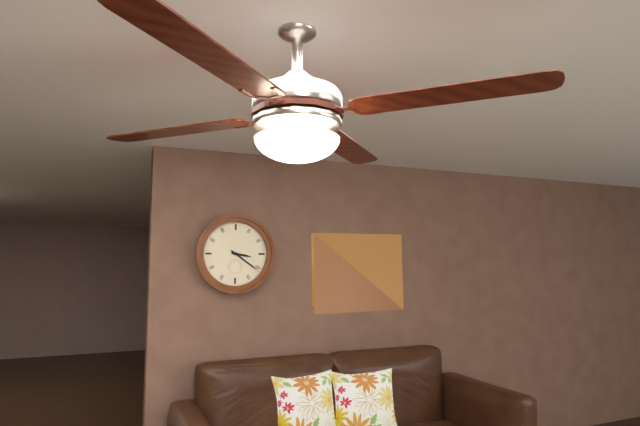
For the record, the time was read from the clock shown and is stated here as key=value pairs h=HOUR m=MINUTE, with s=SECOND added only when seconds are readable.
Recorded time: h=3 m=21
